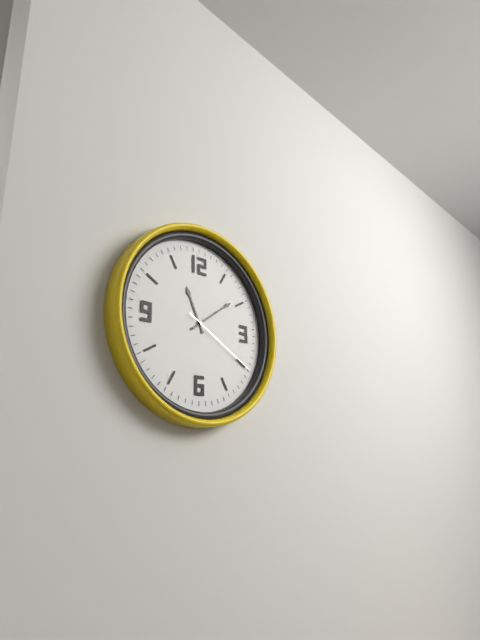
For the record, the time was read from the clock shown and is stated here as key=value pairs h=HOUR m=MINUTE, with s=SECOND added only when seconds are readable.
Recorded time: h=11 m=9 s=20
